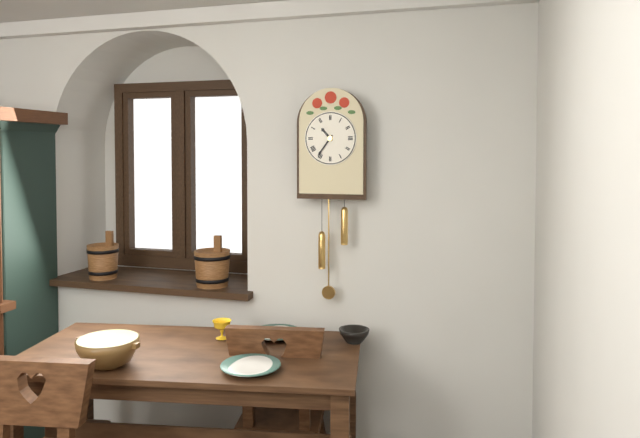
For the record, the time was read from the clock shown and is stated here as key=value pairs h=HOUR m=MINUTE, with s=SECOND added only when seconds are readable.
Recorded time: h=10 m=36
